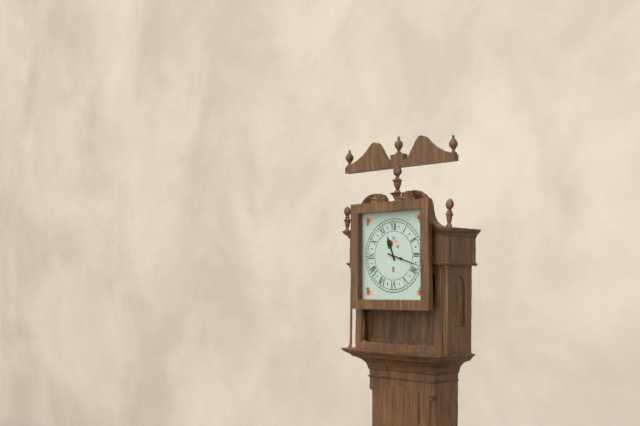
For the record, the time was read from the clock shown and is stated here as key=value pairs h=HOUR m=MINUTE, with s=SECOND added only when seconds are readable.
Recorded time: h=11 m=18
